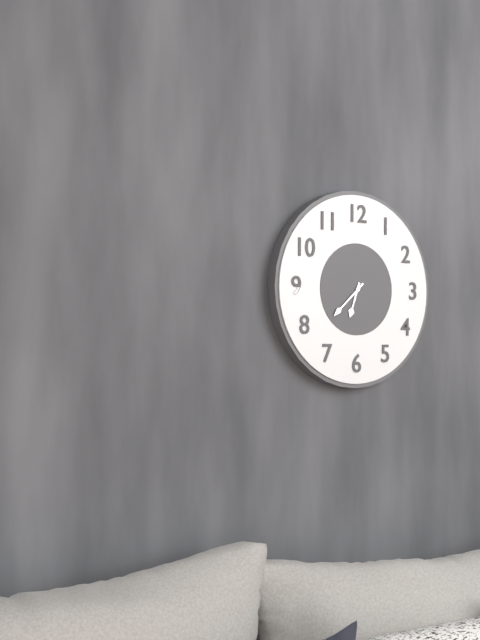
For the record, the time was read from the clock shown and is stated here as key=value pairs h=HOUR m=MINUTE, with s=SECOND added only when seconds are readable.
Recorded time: h=6 m=38
